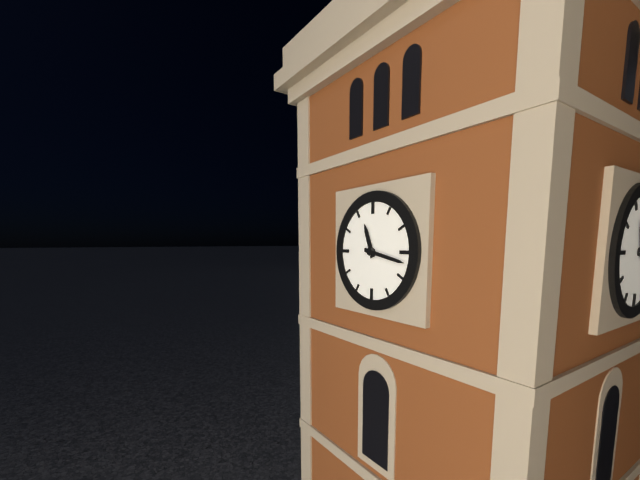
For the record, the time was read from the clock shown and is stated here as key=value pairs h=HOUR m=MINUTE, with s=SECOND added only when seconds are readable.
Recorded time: h=11 m=17
